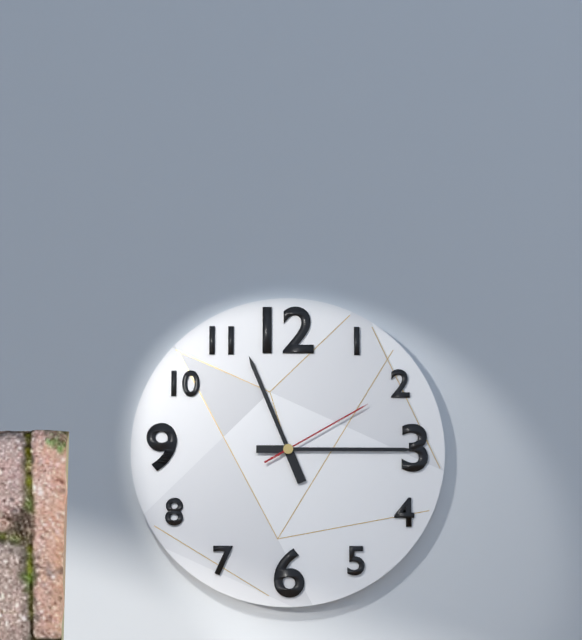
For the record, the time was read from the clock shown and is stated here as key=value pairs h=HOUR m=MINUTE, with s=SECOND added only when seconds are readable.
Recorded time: h=11 m=15 s=10
